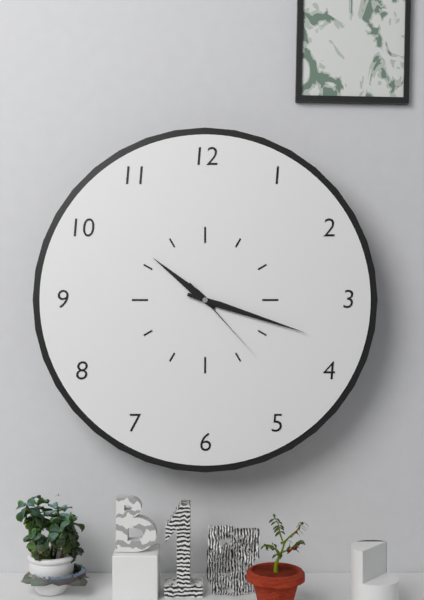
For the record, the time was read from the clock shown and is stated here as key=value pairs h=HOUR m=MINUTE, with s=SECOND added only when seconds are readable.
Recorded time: h=10 m=18 s=23
